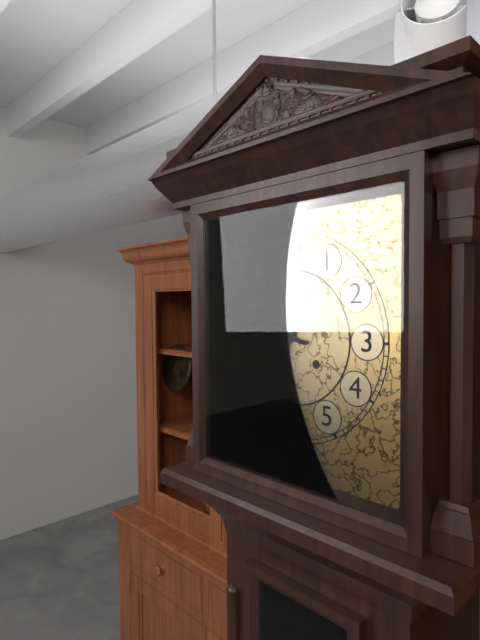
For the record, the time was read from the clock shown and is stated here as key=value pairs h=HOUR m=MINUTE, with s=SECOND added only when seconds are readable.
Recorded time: h=6 m=47
